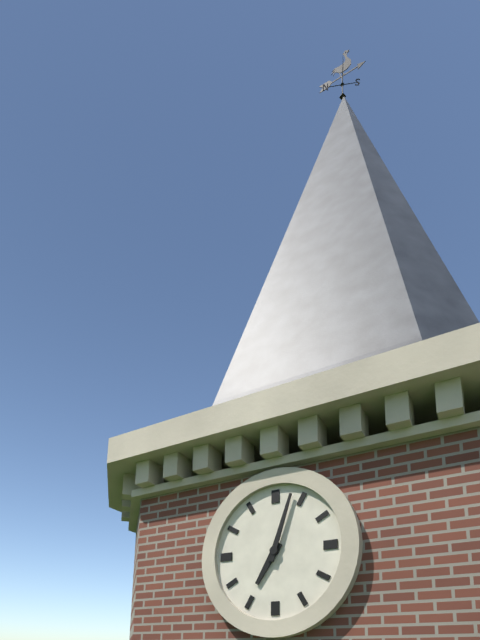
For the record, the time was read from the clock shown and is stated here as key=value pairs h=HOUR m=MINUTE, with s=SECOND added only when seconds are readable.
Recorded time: h=7 m=3
